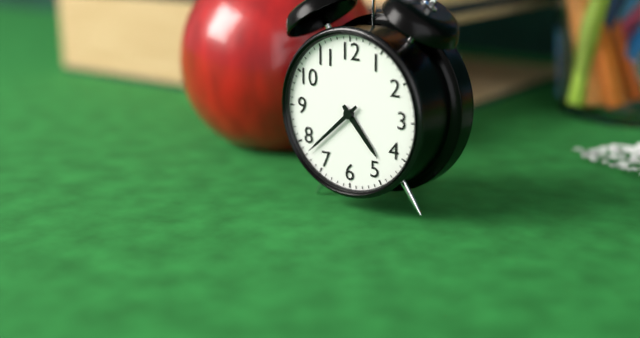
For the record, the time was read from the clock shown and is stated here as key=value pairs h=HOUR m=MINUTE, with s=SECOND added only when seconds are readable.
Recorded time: h=4 m=38
